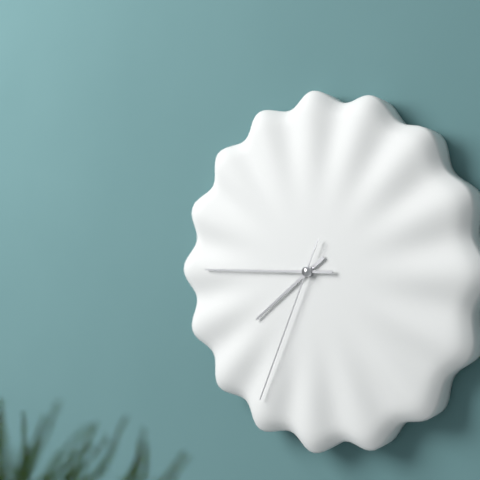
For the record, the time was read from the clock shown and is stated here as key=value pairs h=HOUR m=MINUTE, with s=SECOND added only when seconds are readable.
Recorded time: h=7 m=45 s=34
